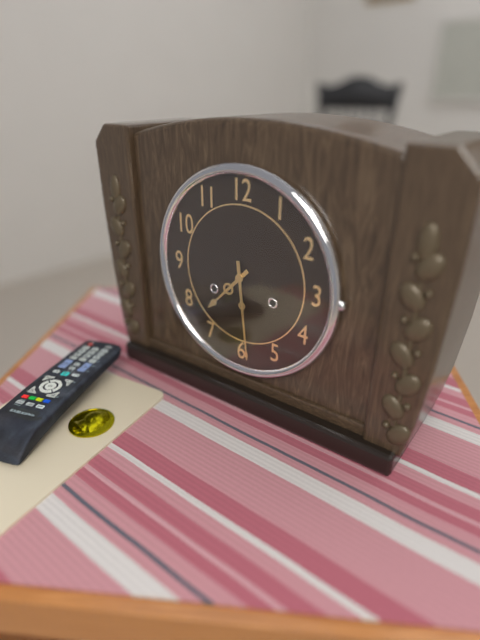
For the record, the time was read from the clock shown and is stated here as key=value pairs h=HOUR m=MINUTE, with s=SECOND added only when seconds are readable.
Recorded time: h=7 m=29
